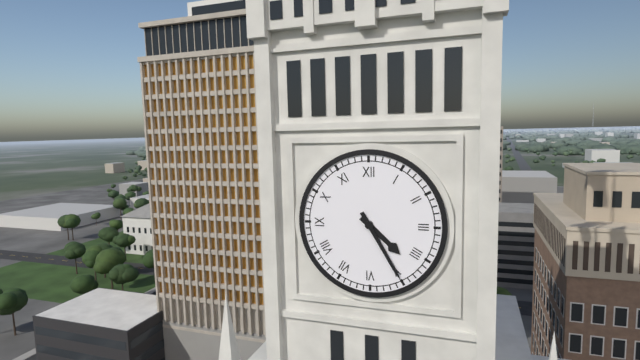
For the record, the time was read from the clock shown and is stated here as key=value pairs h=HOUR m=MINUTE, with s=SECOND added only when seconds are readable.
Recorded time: h=4 m=25
